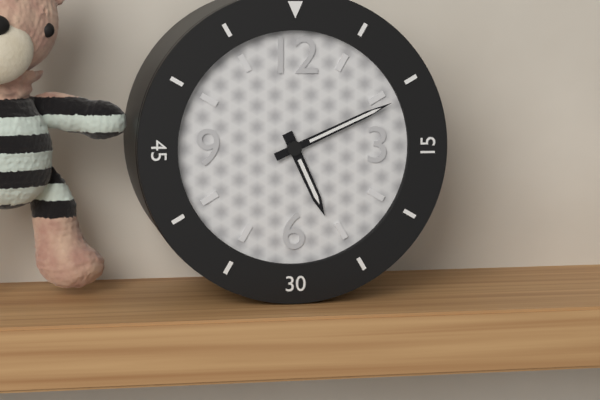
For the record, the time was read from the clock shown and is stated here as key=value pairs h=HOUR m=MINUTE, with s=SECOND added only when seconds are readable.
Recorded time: h=5 m=11
